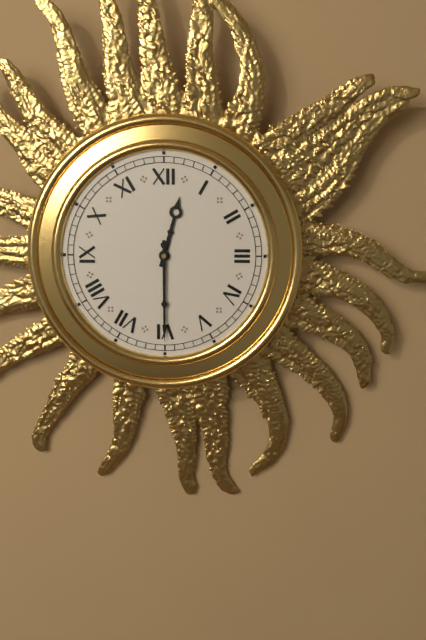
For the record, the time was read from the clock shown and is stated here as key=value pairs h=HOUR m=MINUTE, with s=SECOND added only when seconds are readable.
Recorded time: h=12 m=30
